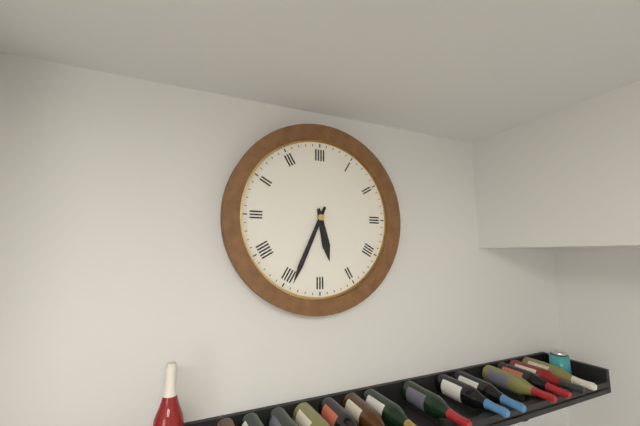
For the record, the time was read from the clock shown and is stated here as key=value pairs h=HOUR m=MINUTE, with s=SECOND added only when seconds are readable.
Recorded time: h=5 m=34
